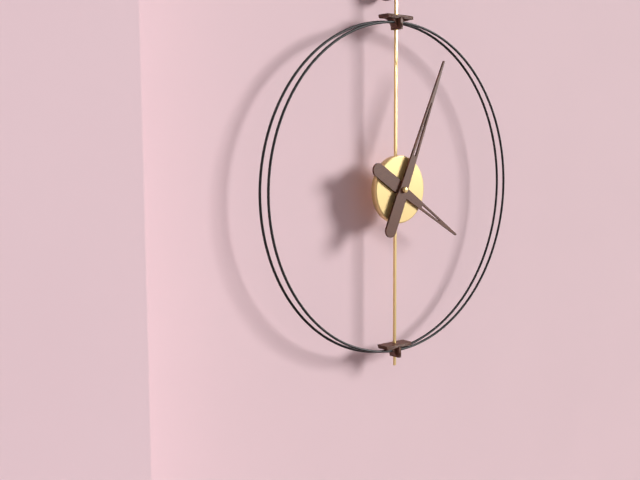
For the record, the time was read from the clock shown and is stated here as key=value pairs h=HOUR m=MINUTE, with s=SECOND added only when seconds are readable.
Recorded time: h=4 m=4
